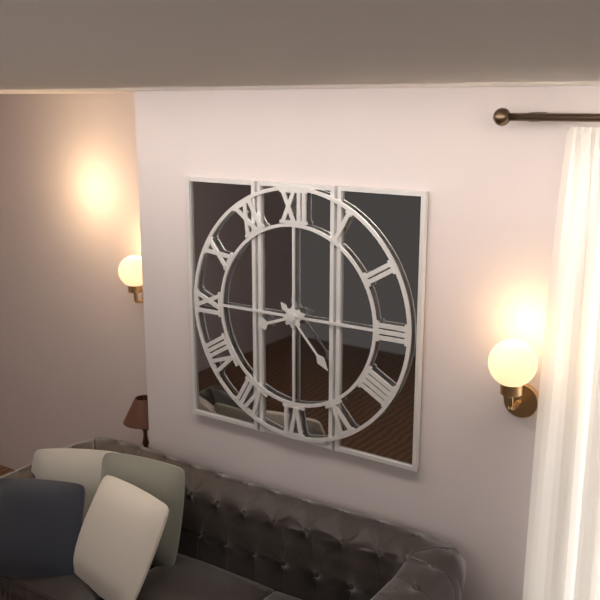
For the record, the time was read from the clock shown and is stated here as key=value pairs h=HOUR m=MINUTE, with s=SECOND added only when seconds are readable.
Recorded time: h=8 m=23
